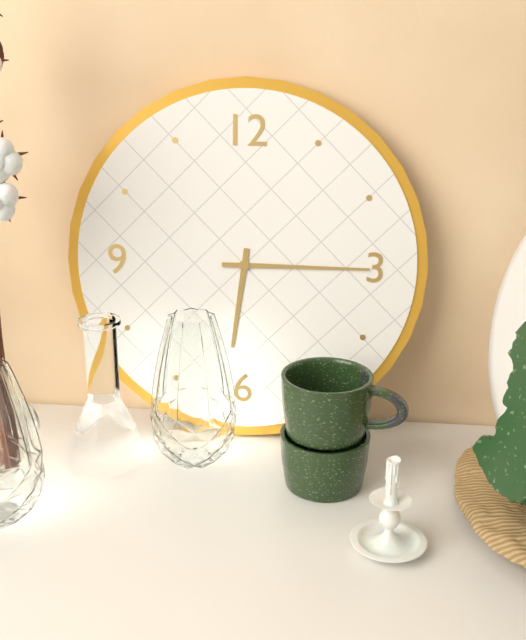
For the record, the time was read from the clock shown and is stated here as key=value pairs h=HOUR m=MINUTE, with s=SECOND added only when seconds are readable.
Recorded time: h=6 m=15
